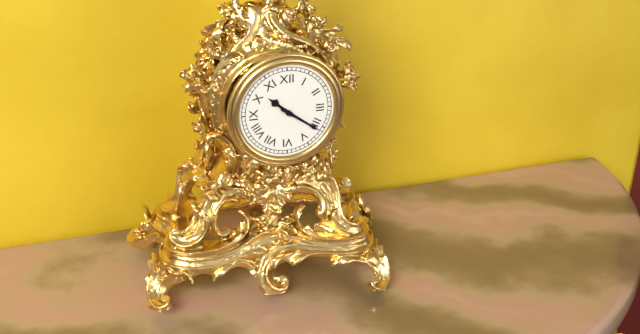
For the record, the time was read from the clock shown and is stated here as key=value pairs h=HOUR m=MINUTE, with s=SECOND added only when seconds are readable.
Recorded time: h=10 m=21
